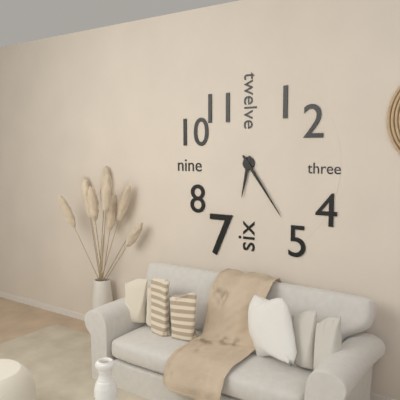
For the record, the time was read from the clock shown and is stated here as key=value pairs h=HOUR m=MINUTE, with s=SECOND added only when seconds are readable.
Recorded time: h=6 m=24
